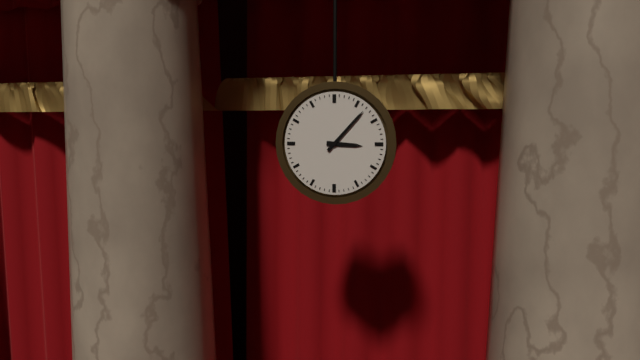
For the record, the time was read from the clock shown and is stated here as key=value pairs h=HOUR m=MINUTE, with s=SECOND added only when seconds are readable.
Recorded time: h=3 m=7
